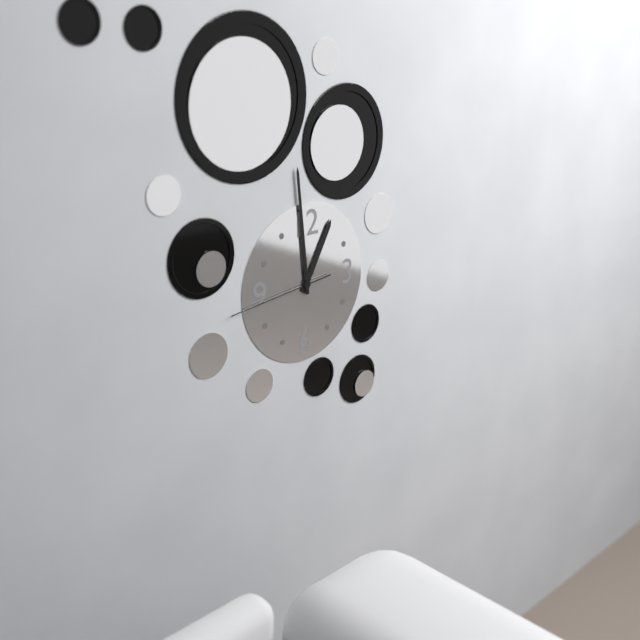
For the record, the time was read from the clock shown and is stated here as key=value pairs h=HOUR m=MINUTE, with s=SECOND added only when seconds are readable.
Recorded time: h=12 m=59 s=44
